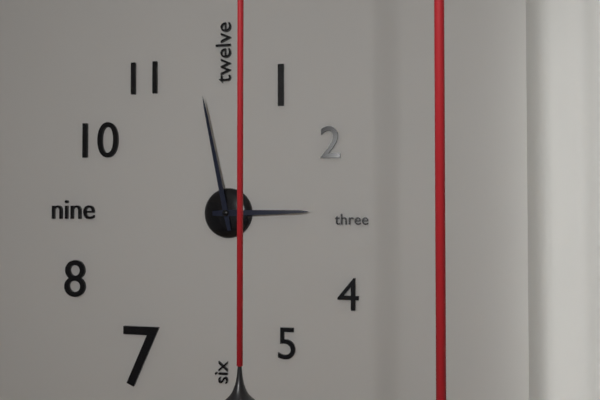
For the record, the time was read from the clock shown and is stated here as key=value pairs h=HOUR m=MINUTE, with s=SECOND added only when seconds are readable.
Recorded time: h=2 m=58
